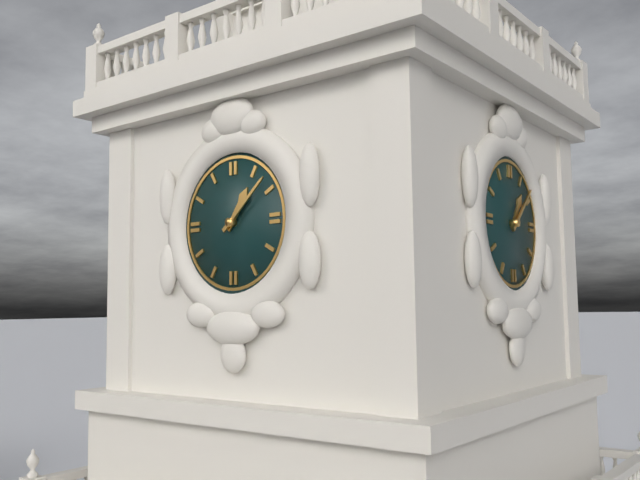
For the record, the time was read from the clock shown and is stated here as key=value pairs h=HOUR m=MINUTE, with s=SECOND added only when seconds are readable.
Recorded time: h=1 m=8
